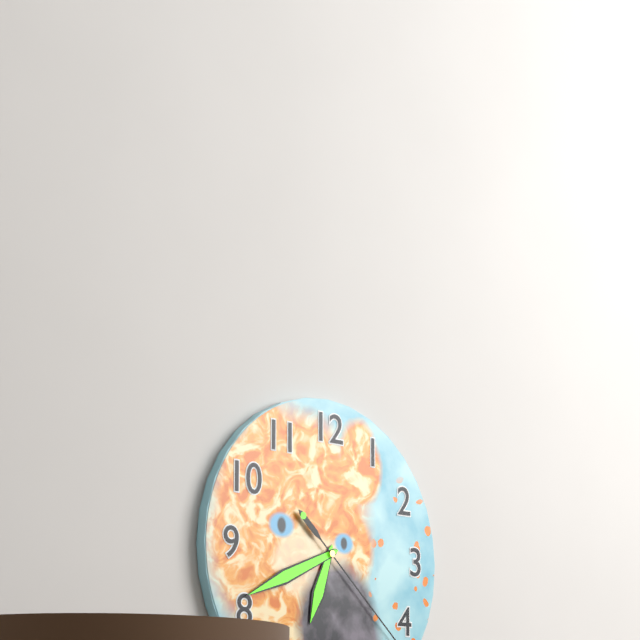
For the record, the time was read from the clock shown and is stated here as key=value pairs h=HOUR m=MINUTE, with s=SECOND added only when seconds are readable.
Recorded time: h=6 m=41
